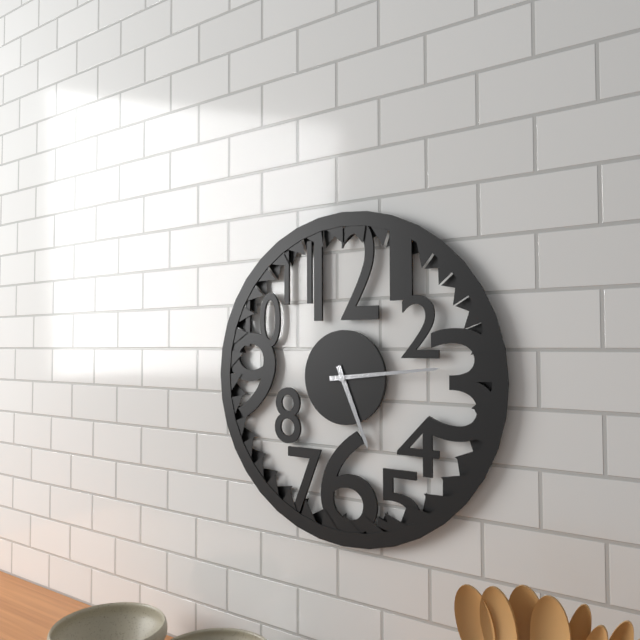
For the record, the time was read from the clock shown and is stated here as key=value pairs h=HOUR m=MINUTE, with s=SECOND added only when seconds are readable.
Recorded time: h=5 m=14
